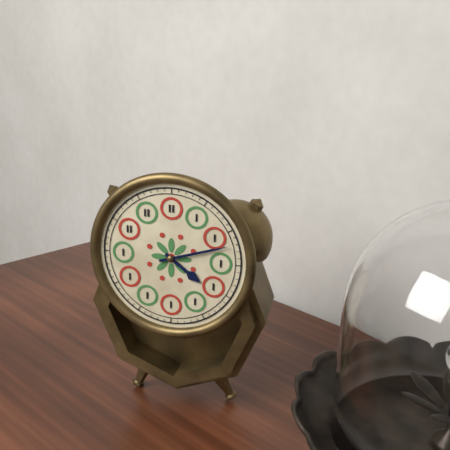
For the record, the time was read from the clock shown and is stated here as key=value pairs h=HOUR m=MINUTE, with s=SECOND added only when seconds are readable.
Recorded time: h=4 m=12
